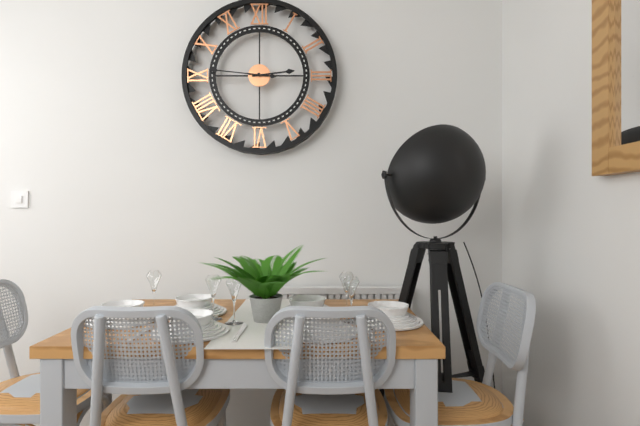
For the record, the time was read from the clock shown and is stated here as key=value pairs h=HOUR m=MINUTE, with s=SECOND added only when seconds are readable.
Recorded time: h=2 m=46
